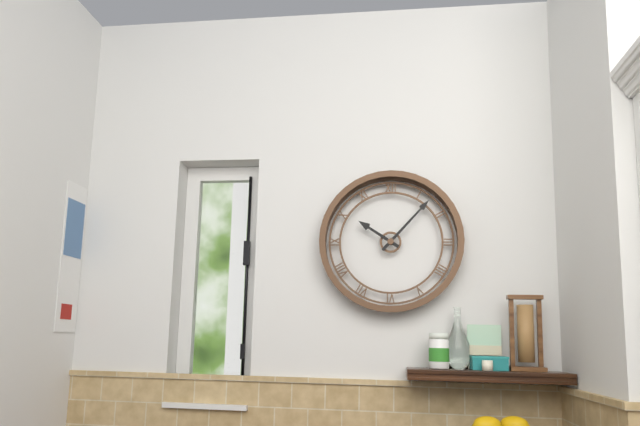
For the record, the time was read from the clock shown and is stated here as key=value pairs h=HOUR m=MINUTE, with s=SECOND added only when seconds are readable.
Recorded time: h=10 m=7
